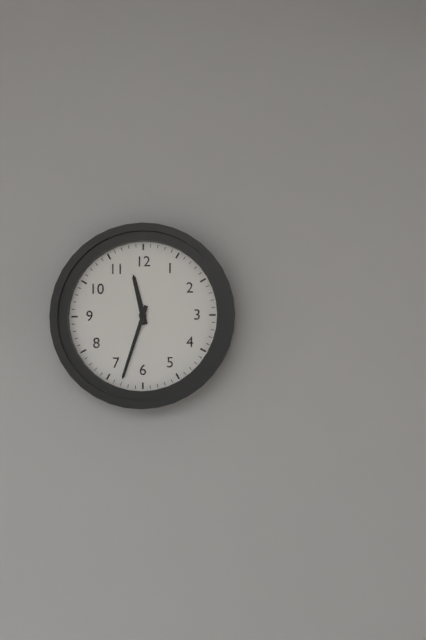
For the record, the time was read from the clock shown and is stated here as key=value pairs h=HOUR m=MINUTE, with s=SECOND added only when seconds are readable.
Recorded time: h=11 m=33
